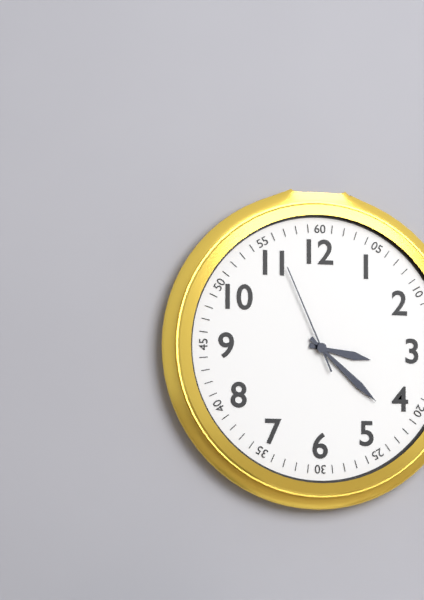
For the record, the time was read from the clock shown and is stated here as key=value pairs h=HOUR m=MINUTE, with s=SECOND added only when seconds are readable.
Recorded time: h=3 m=22 s=56
